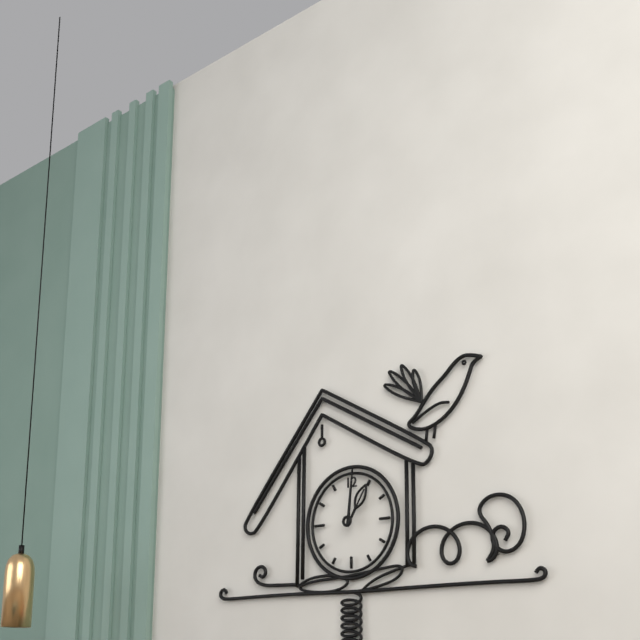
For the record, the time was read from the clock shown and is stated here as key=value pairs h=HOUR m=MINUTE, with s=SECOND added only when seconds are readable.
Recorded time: h=1 m=1
